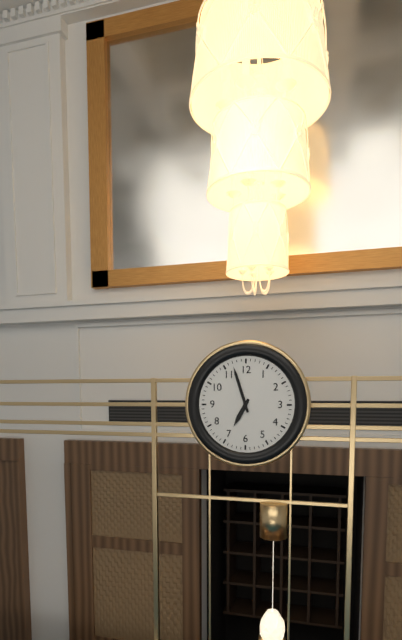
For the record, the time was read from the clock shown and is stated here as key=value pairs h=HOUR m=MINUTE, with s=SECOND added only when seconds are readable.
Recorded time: h=6 m=57
